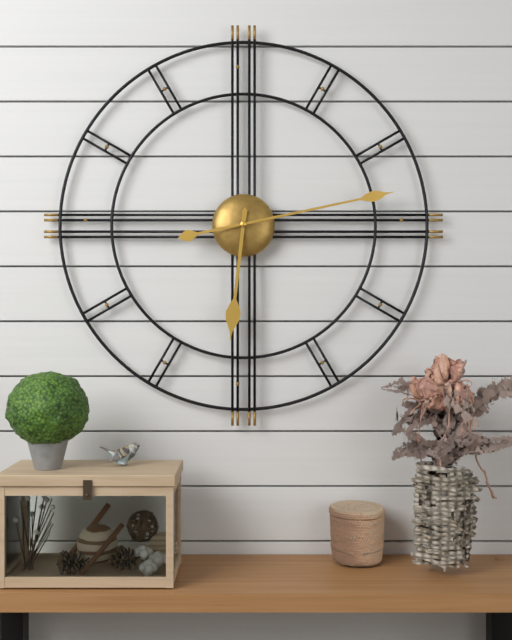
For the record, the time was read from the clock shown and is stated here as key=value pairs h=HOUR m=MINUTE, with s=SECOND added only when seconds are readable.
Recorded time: h=6 m=13
